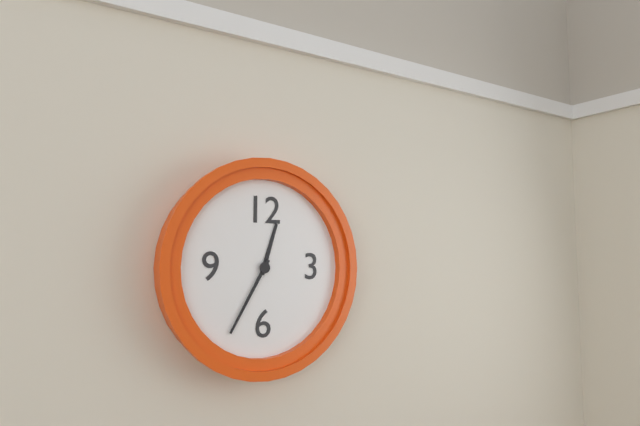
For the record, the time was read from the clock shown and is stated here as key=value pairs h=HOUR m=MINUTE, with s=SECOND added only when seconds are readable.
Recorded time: h=12 m=35
